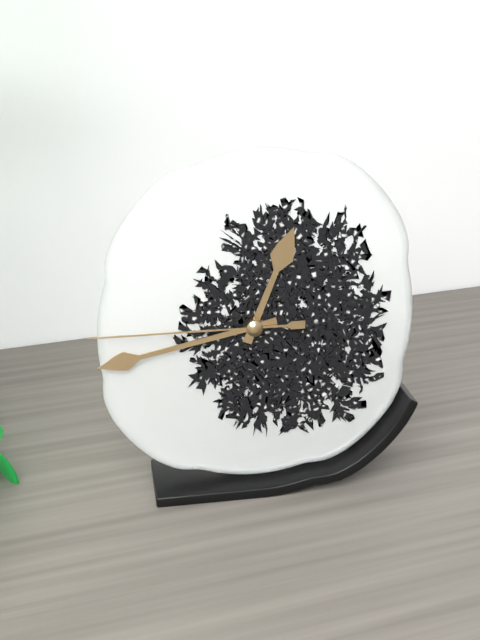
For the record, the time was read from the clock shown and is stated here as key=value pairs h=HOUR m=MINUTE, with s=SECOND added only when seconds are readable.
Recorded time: h=12 m=43 s=45
